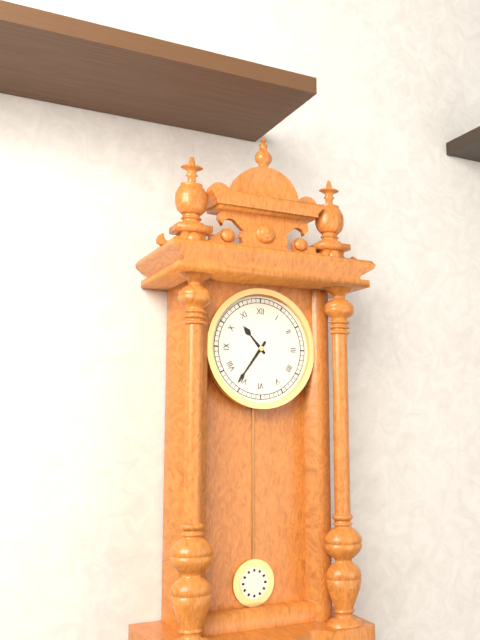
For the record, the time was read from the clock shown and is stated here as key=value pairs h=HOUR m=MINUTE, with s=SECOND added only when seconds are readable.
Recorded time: h=10 m=36
